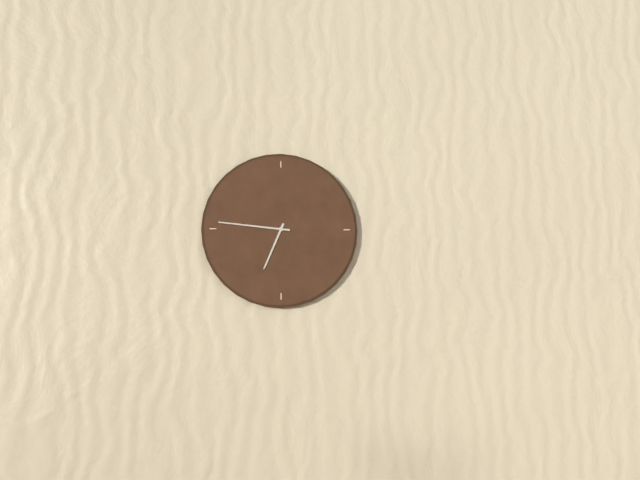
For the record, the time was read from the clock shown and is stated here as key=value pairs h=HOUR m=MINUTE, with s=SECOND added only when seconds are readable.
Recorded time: h=6 m=46
